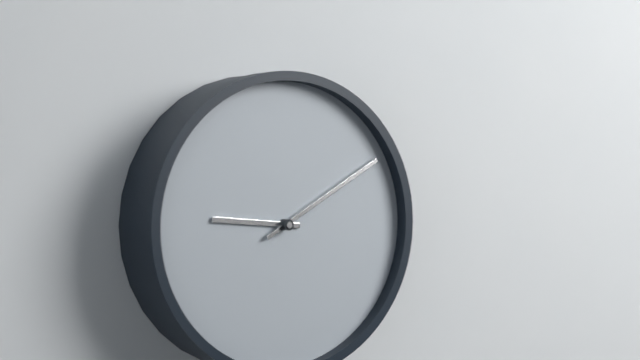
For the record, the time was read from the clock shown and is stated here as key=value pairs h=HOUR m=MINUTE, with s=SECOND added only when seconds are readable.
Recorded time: h=9 m=10
